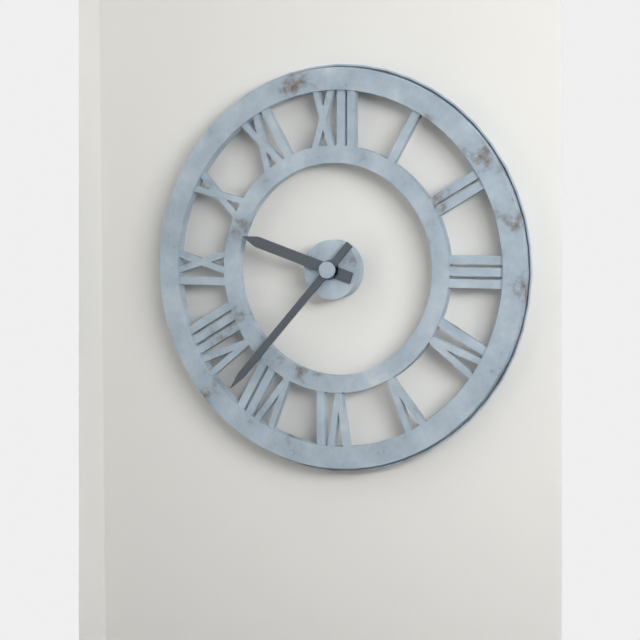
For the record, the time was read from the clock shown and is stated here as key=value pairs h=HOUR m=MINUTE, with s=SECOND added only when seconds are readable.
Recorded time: h=9 m=37
